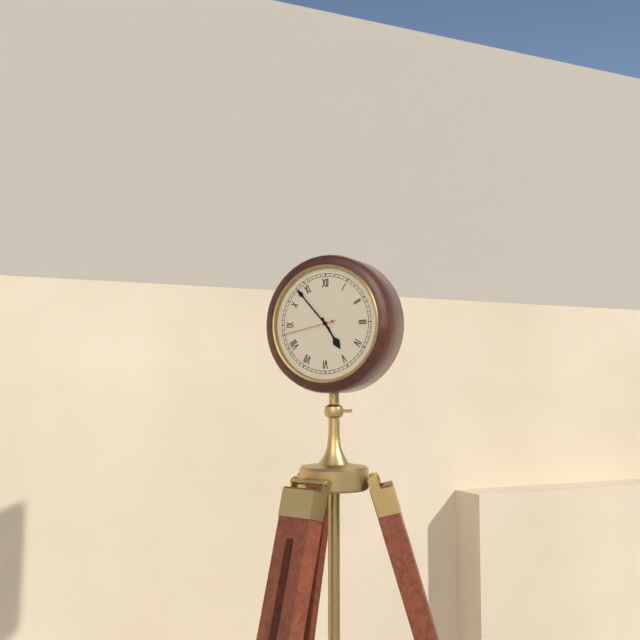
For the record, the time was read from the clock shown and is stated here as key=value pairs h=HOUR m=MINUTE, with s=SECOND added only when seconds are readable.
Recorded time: h=4 m=53 s=43
